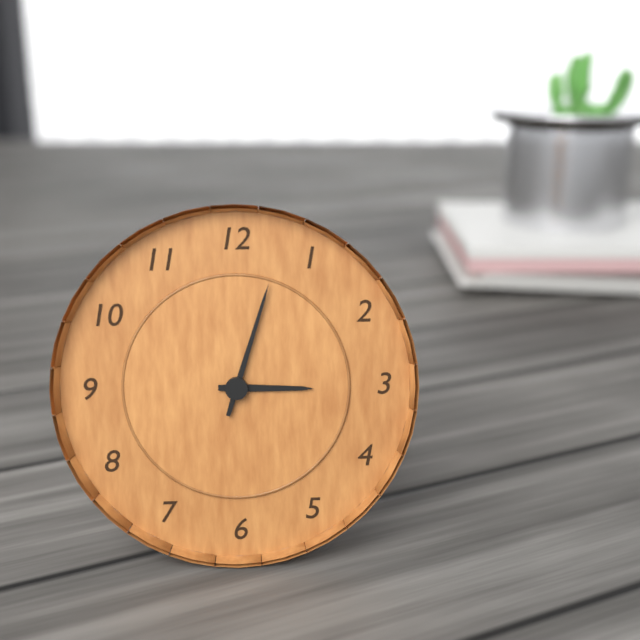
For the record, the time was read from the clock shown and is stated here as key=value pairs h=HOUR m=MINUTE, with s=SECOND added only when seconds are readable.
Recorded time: h=3 m=3
